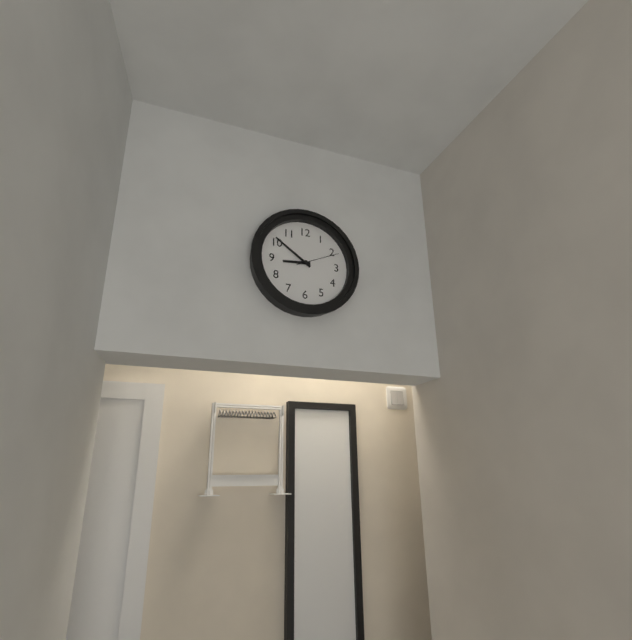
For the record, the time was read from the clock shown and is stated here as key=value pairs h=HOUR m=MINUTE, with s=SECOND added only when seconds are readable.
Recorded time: h=8 m=51
